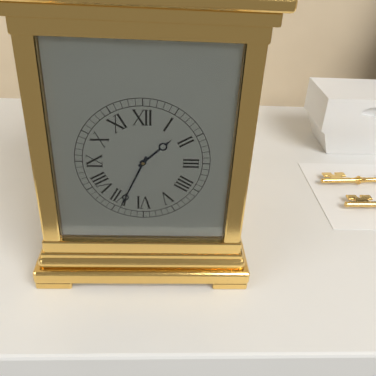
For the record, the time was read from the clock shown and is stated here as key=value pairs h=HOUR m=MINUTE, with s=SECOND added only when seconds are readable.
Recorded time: h=1 m=34
